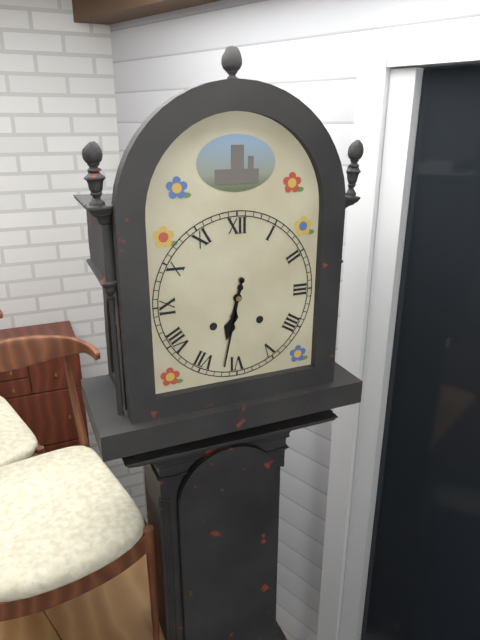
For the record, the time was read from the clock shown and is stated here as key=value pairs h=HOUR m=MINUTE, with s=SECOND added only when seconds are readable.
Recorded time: h=6 m=32
